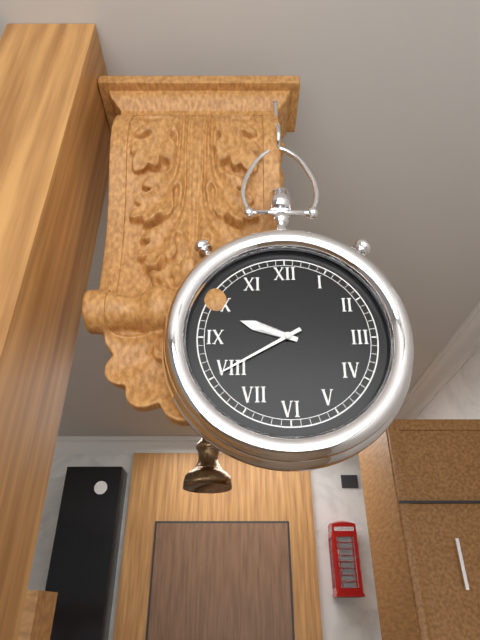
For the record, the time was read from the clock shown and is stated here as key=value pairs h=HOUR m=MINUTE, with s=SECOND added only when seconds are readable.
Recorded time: h=9 m=40
